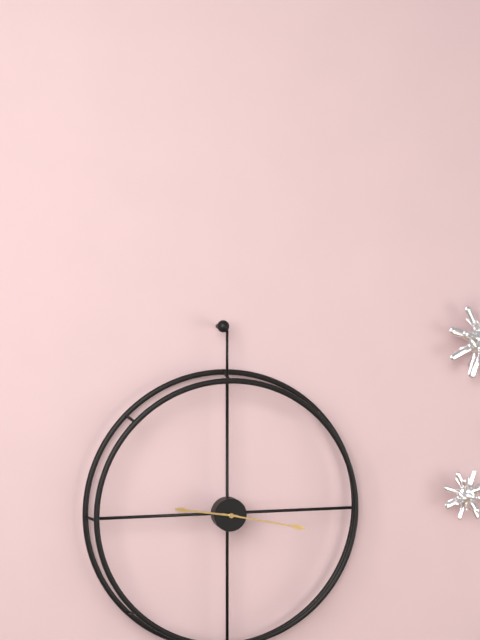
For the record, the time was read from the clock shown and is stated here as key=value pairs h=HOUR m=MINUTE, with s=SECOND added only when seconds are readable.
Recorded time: h=9 m=17
